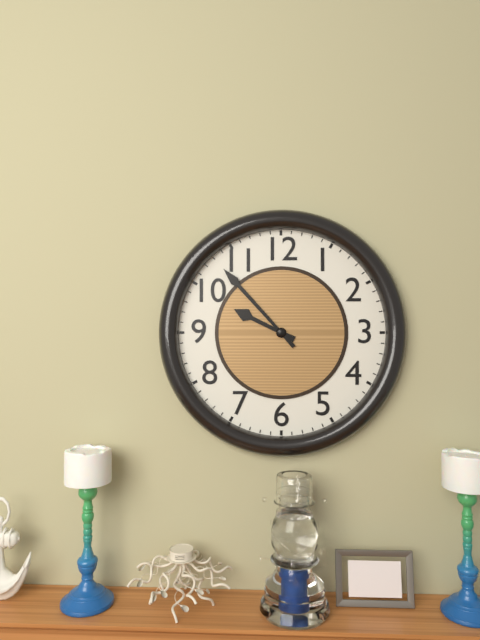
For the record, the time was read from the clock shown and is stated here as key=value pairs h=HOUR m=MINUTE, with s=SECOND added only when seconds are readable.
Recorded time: h=9 m=53
